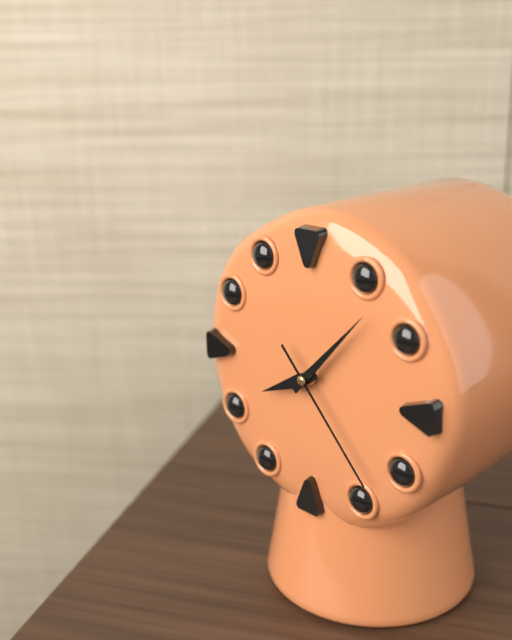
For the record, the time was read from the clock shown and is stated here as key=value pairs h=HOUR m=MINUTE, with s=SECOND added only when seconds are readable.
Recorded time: h=8 m=7 s=23
